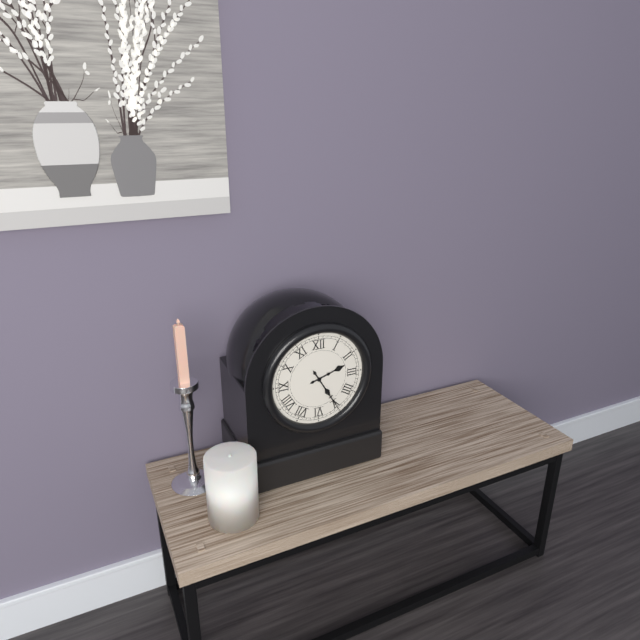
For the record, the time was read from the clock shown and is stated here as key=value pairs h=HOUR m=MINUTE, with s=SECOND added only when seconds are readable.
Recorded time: h=2 m=25
